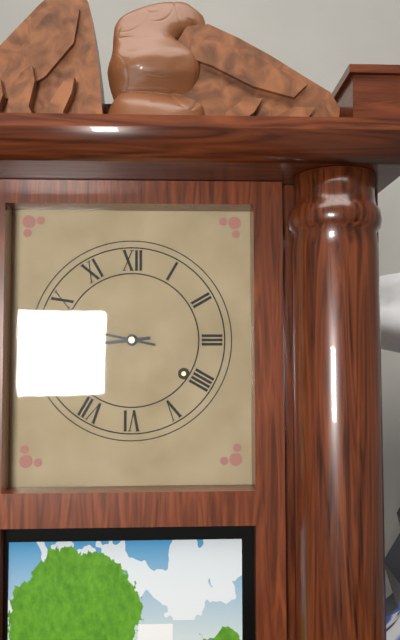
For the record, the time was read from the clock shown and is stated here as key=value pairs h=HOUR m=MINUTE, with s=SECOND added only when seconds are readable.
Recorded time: h=8 m=47
